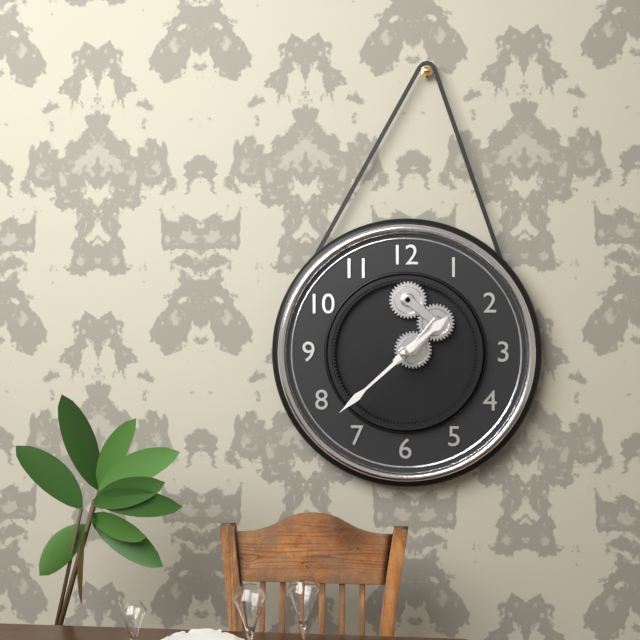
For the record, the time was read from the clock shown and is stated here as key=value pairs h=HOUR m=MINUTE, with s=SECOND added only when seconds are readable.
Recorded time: h=1 m=38
